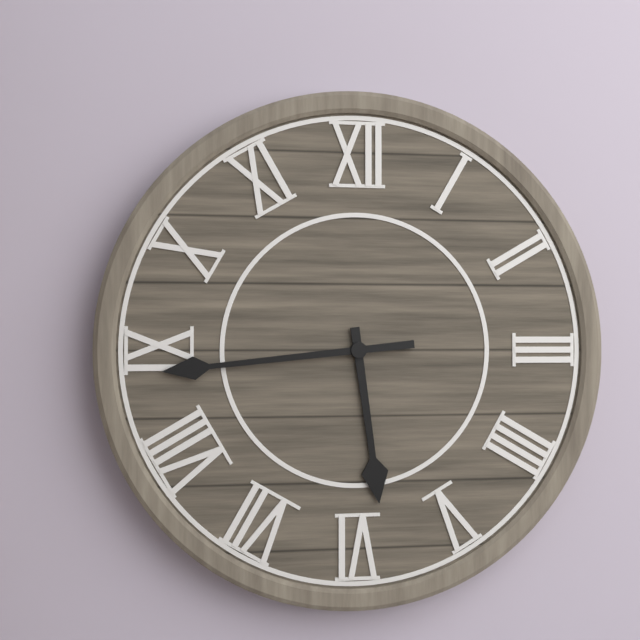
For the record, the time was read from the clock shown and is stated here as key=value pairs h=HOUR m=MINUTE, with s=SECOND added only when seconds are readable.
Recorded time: h=5 m=44
